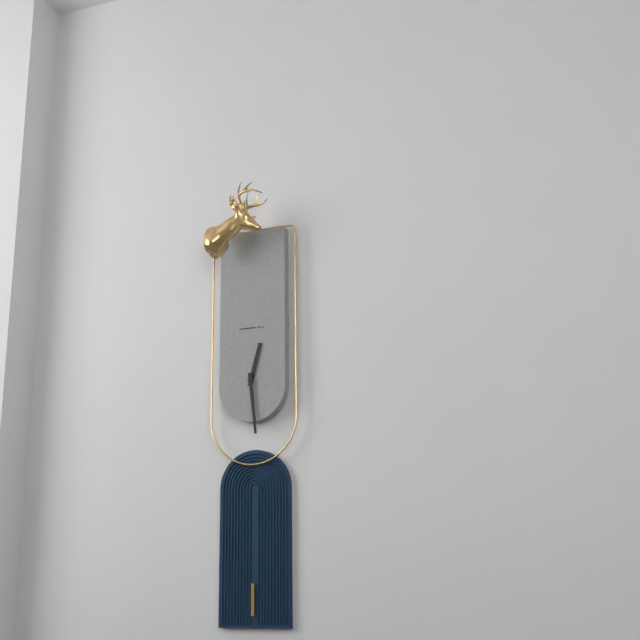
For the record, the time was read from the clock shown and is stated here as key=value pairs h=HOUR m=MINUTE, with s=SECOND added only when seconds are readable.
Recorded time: h=12 m=29
